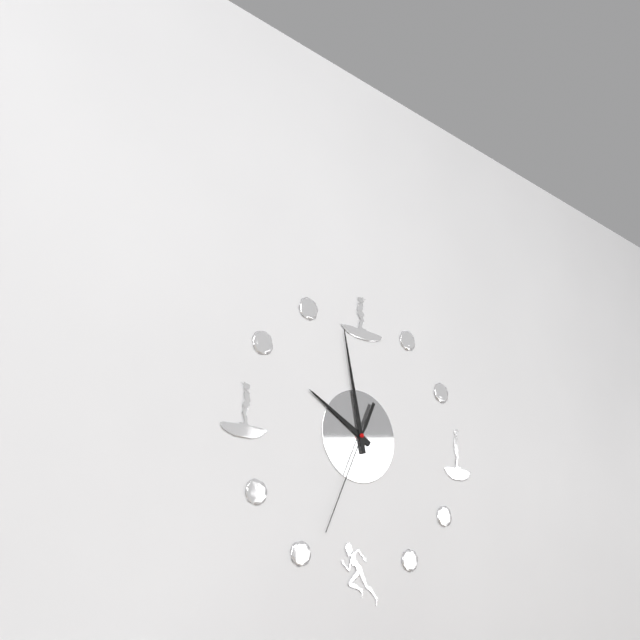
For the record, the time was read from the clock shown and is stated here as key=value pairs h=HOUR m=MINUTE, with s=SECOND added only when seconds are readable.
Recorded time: h=9 m=58 s=34
